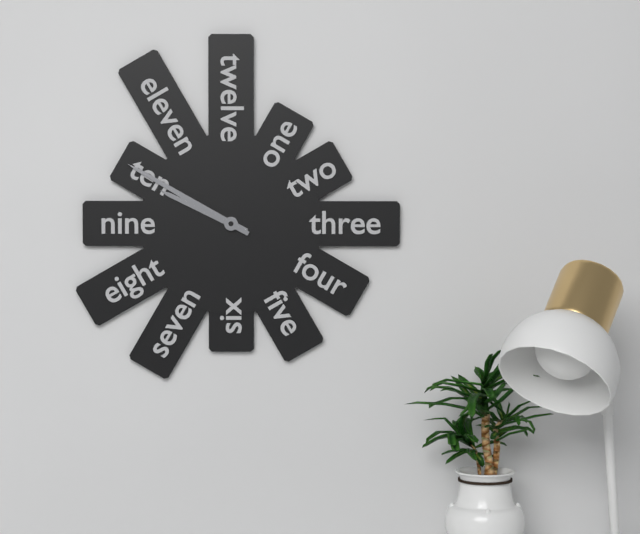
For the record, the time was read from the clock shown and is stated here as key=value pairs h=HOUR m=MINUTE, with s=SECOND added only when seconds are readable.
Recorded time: h=9 m=50
